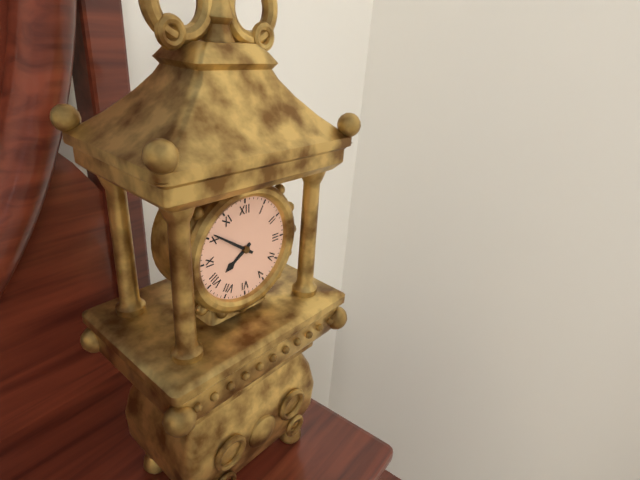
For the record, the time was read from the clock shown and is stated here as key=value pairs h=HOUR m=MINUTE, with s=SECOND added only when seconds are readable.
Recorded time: h=7 m=51
